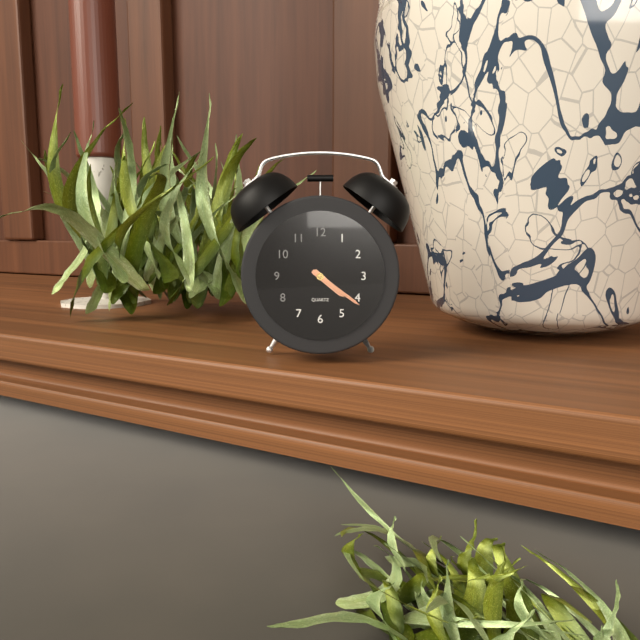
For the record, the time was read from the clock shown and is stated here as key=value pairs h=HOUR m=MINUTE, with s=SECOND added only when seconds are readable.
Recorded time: h=4 m=21
